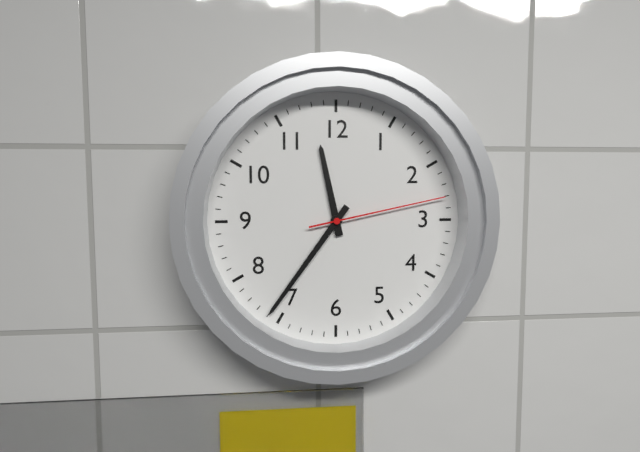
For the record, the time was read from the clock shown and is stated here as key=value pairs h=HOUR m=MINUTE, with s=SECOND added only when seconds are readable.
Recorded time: h=11 m=36 s=13
